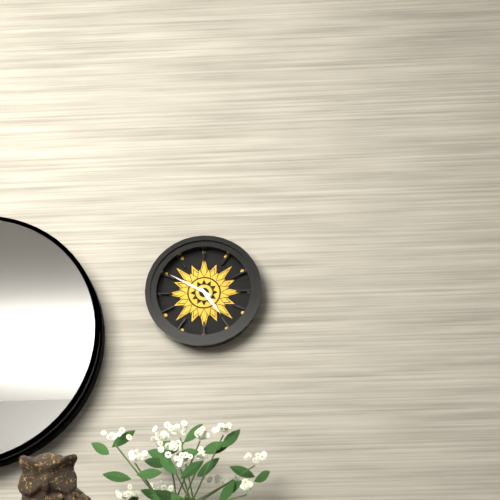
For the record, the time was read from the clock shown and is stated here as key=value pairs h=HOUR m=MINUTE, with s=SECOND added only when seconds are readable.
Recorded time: h=4 m=50
